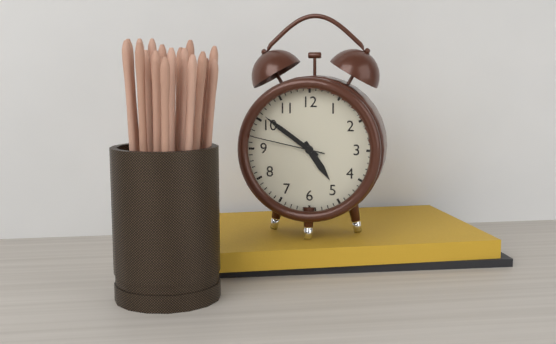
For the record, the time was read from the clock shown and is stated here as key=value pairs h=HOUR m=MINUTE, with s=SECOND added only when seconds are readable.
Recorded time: h=4 m=51 s=47
